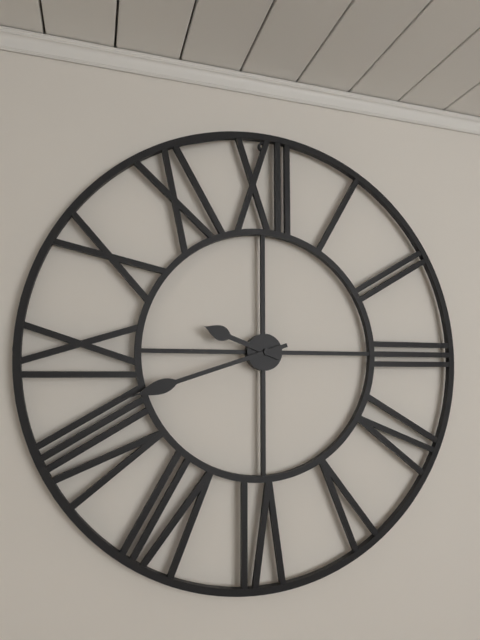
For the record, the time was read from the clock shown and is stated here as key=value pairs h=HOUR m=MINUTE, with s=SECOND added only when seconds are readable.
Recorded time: h=9 m=42
